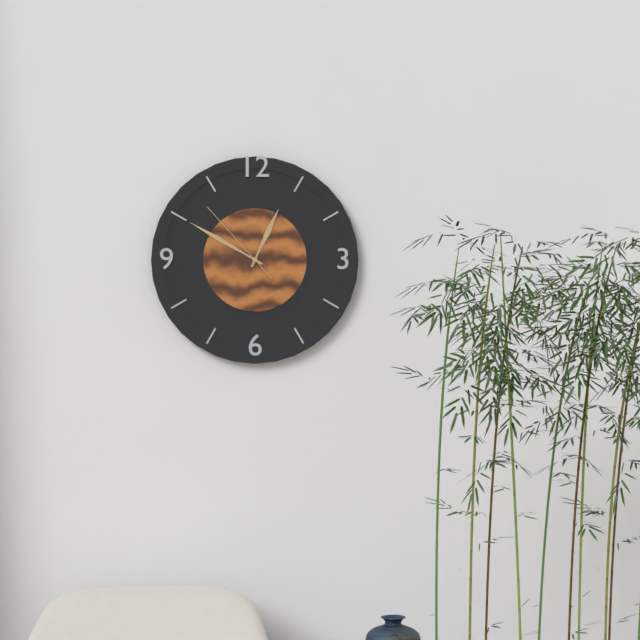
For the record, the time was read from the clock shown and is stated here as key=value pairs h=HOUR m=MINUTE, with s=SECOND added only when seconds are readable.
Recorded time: h=12 m=50 s=53
